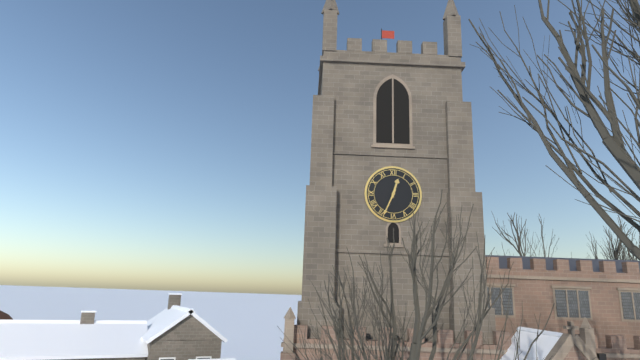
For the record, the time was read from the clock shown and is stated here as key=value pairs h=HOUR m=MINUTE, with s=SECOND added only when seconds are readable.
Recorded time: h=12 m=34
